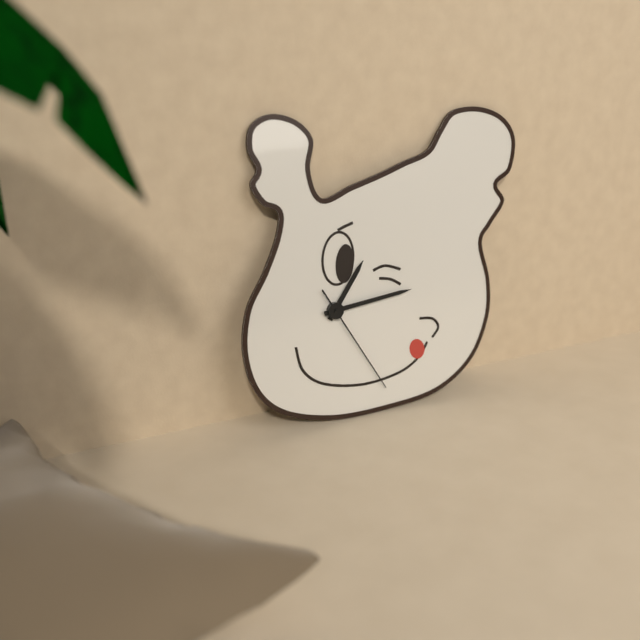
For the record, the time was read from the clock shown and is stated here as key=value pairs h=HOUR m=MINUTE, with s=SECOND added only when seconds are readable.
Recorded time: h=1 m=14 s=25
